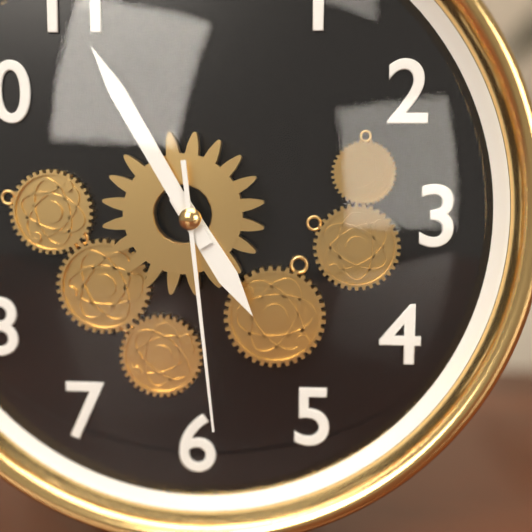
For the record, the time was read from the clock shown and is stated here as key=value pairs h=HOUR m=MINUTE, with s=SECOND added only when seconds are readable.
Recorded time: h=4 m=55 s=29
